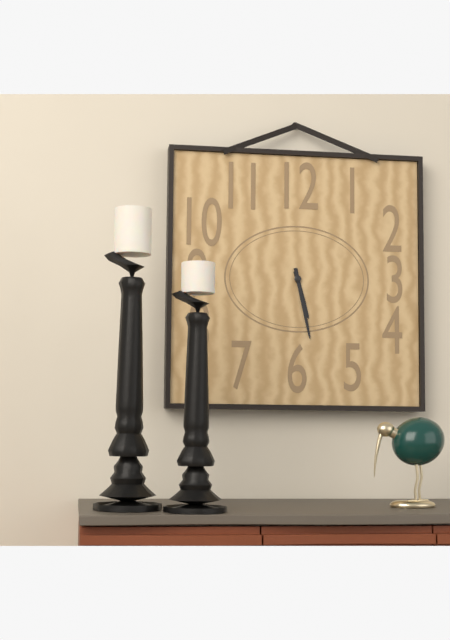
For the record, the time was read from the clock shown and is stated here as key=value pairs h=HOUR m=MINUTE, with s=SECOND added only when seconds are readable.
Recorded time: h=5 m=28
